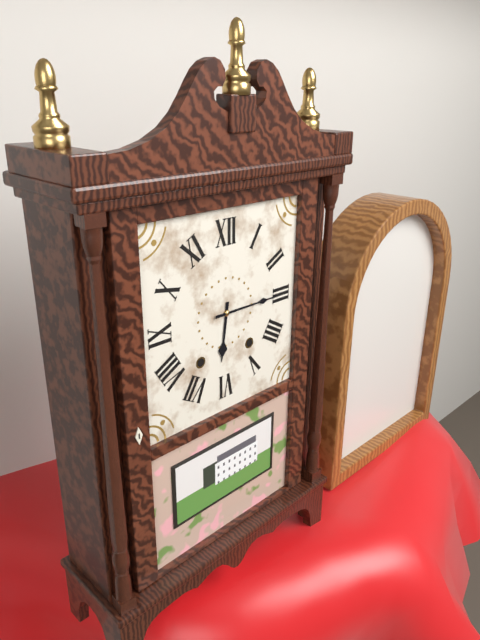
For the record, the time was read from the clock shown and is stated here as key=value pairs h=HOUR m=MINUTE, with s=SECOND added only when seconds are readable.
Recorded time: h=6 m=15
